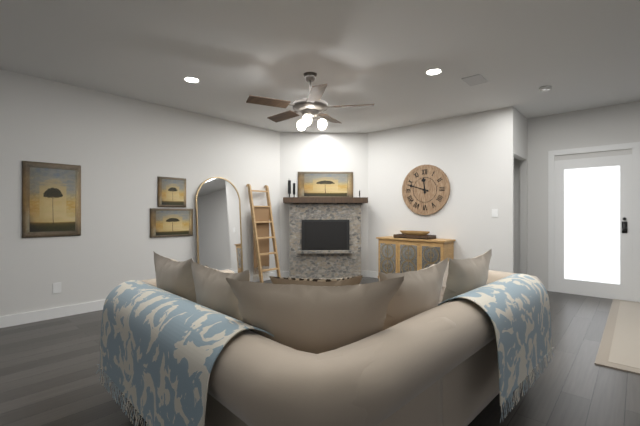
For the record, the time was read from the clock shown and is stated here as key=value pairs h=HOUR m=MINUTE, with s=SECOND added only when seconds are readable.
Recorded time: h=11 m=48
